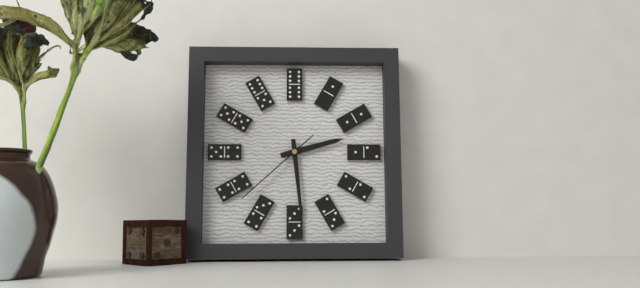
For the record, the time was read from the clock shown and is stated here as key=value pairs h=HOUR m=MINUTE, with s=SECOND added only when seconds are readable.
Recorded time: h=2 m=29 s=38
